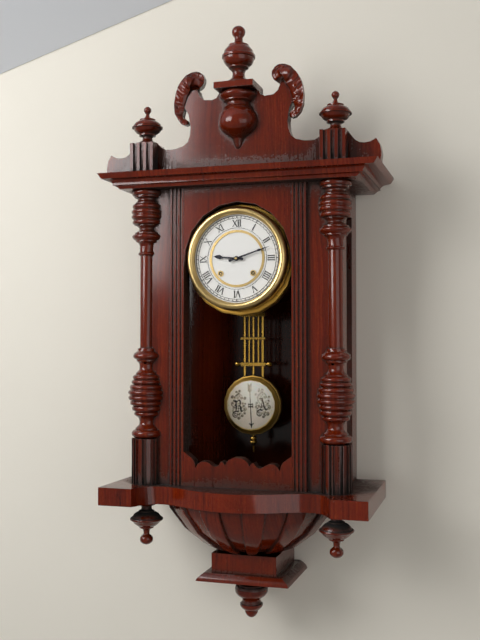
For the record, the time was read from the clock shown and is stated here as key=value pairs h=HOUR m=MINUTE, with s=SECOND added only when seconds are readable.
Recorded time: h=9 m=12
